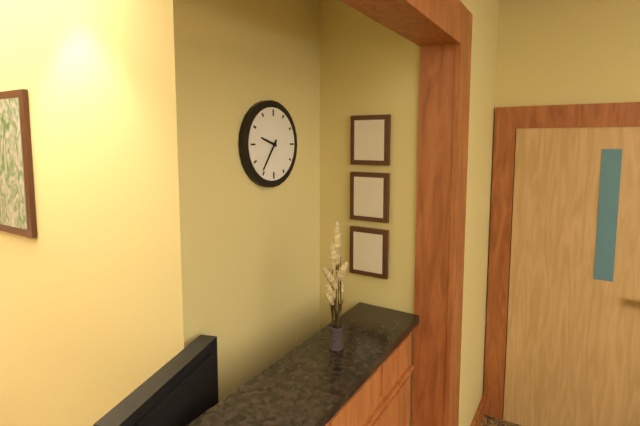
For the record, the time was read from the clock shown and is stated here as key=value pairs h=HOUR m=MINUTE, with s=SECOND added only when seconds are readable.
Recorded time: h=9 m=36
